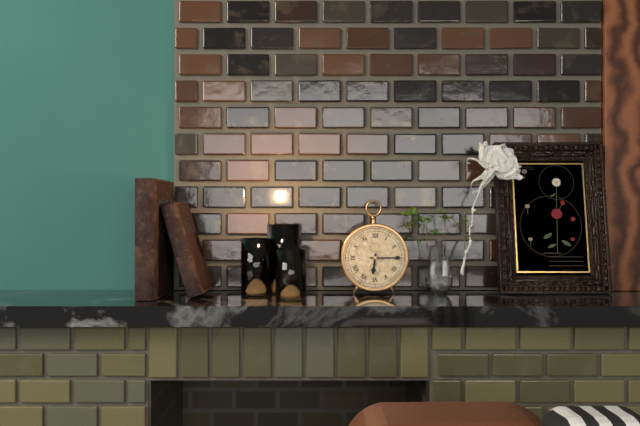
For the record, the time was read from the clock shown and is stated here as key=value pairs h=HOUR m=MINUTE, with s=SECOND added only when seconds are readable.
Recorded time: h=6 m=15
